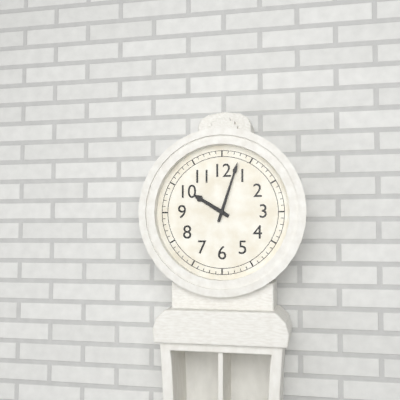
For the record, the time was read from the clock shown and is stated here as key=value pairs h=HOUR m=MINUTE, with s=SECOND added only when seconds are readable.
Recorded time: h=10 m=3
